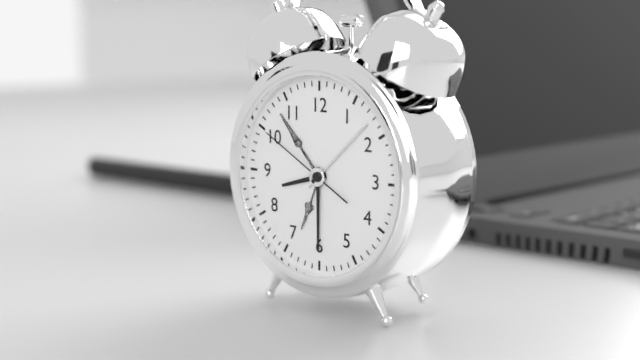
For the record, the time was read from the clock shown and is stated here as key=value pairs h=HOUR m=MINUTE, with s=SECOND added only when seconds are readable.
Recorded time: h=8 m=30 s=50
